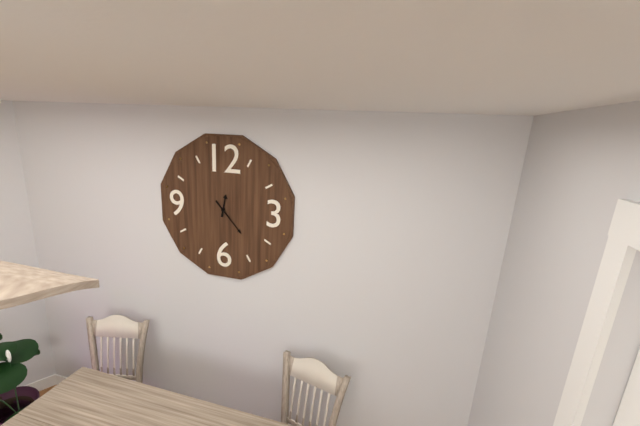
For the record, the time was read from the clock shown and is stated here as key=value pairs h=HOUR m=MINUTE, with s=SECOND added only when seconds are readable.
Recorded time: h=12 m=23
